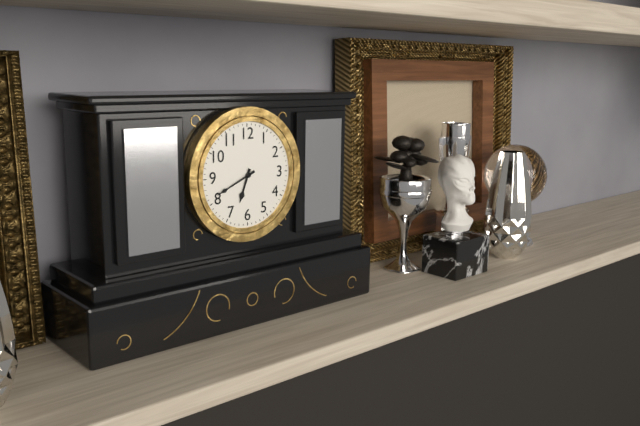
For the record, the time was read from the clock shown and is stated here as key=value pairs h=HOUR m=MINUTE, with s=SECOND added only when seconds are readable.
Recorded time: h=6 m=41
